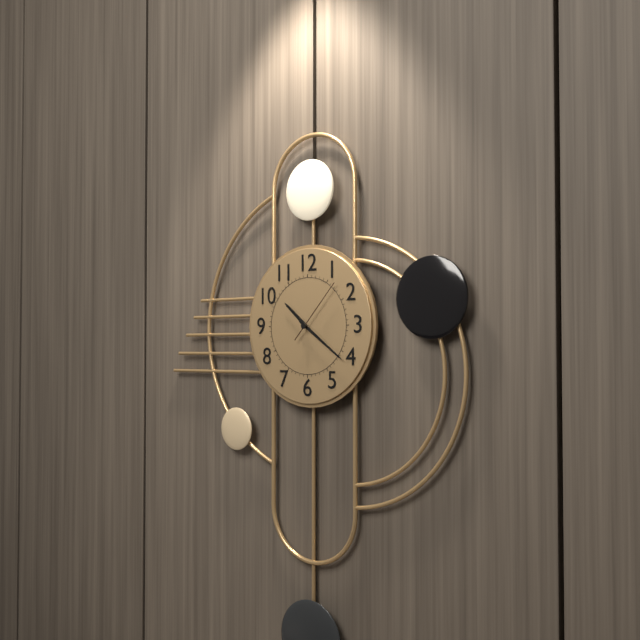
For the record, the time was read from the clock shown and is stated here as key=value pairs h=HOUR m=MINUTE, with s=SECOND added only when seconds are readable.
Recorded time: h=10 m=21 s=7
